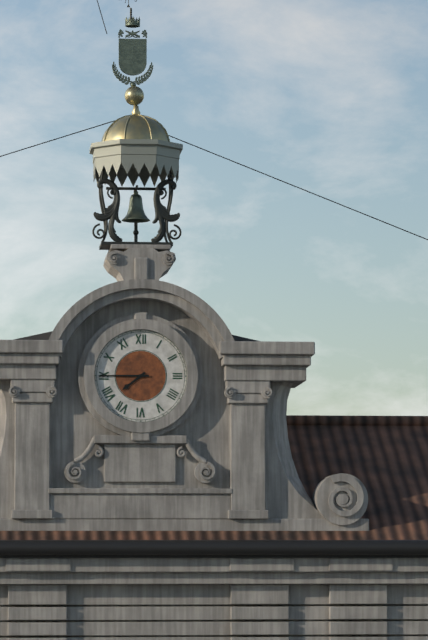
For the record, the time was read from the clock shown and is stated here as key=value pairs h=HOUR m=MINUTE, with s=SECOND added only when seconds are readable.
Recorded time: h=7 m=45
